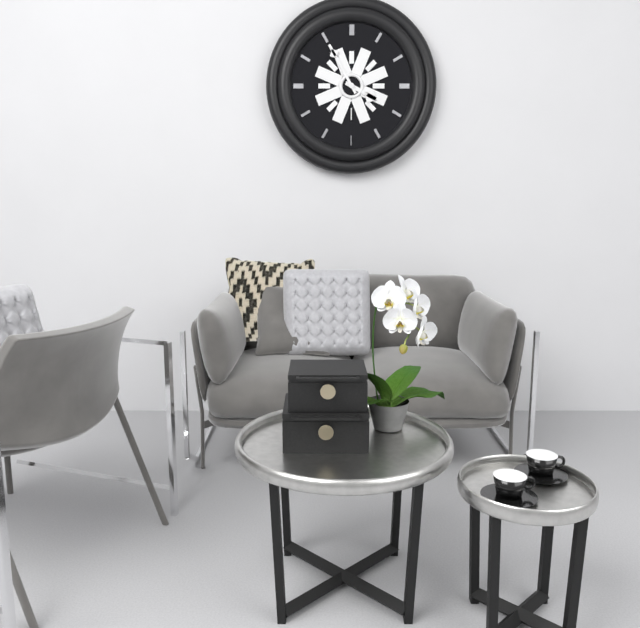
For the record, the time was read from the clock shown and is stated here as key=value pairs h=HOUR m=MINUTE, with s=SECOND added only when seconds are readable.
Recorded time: h=3 m=55
